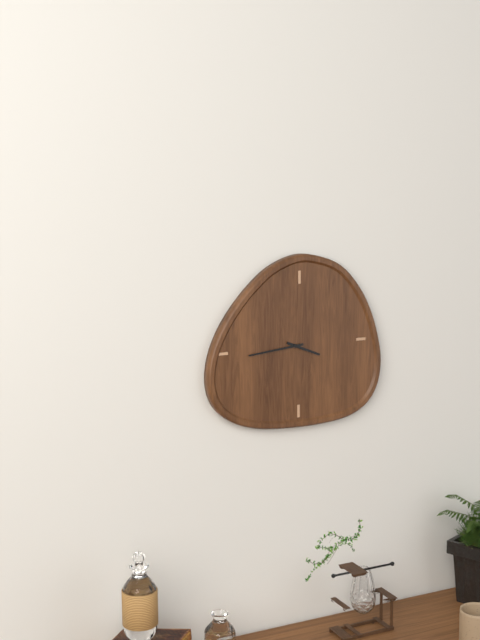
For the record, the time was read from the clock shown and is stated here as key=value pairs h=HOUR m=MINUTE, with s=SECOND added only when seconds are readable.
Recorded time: h=3 m=44
